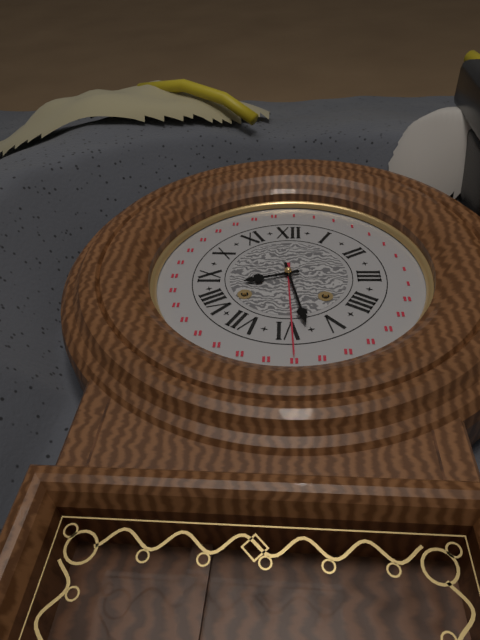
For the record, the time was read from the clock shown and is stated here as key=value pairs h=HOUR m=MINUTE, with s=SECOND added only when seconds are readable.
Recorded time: h=8 m=28
